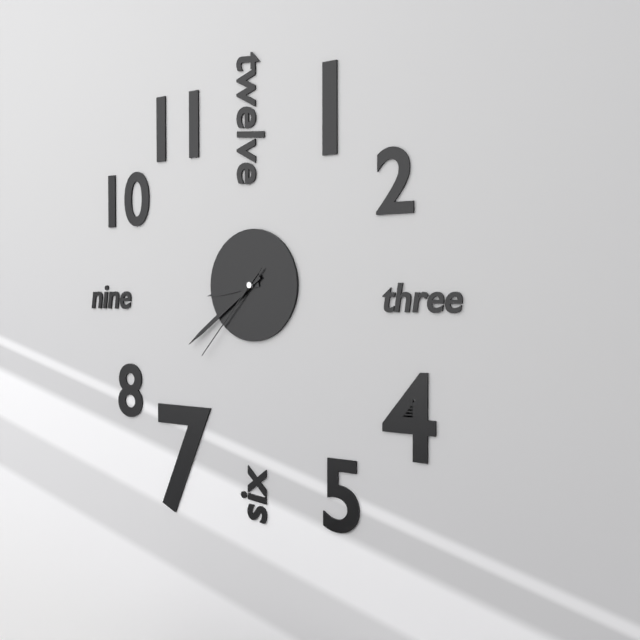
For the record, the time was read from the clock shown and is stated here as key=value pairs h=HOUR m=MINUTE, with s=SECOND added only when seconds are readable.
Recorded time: h=8 m=39 s=37
